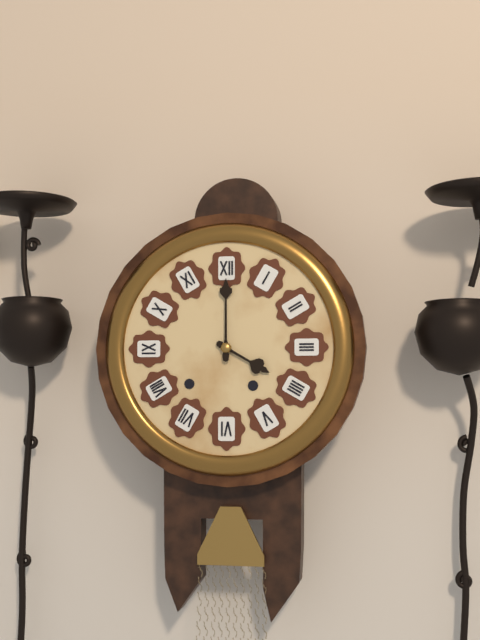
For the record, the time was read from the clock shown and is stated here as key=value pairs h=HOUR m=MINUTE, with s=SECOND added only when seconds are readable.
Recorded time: h=4 m=0
